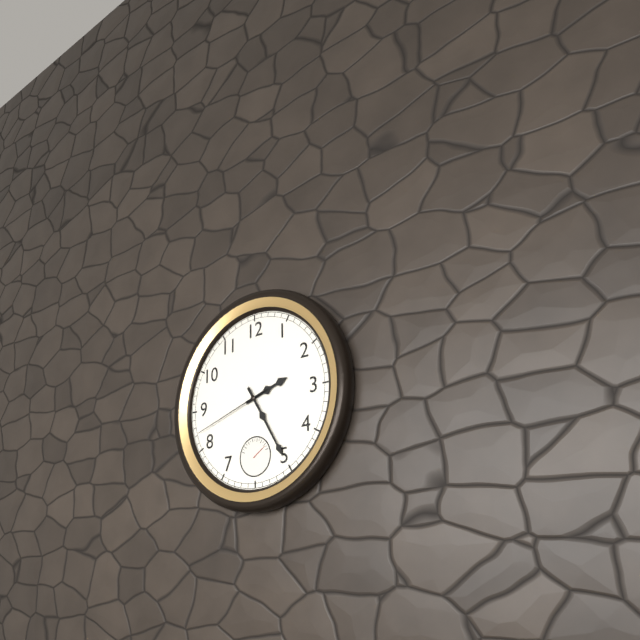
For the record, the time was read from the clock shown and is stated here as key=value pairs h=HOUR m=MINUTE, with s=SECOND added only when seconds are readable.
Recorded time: h=2 m=25 s=42
